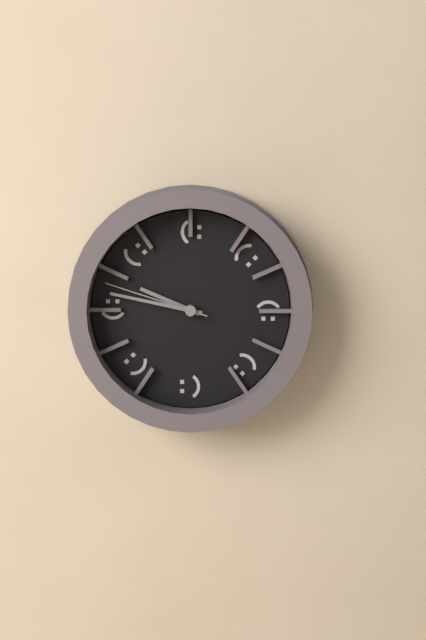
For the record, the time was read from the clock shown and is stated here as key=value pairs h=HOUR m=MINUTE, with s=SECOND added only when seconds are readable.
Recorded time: h=9 m=47 s=48
